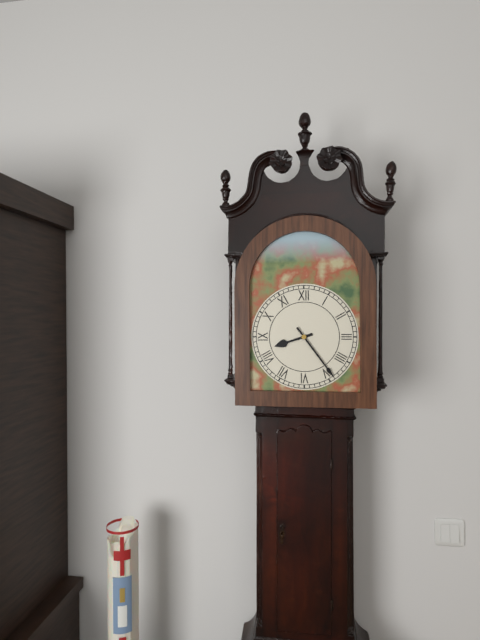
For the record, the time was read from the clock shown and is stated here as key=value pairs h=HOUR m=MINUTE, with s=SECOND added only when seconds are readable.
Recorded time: h=8 m=24
